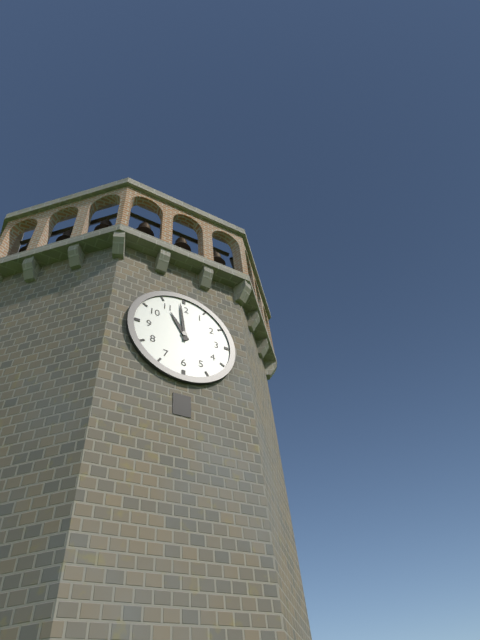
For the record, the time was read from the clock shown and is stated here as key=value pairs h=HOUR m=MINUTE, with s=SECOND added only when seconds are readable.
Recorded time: h=10 m=59
